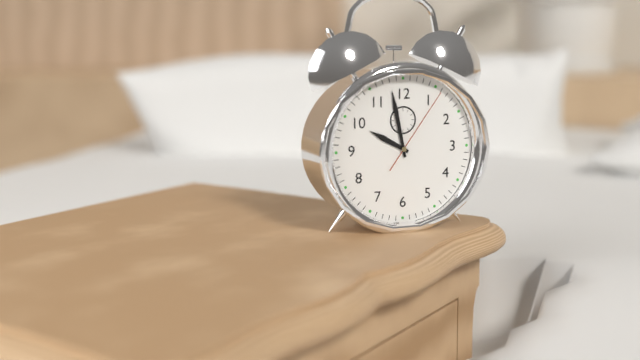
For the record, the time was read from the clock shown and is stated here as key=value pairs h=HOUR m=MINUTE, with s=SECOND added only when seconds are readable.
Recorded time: h=9 m=58 s=6
